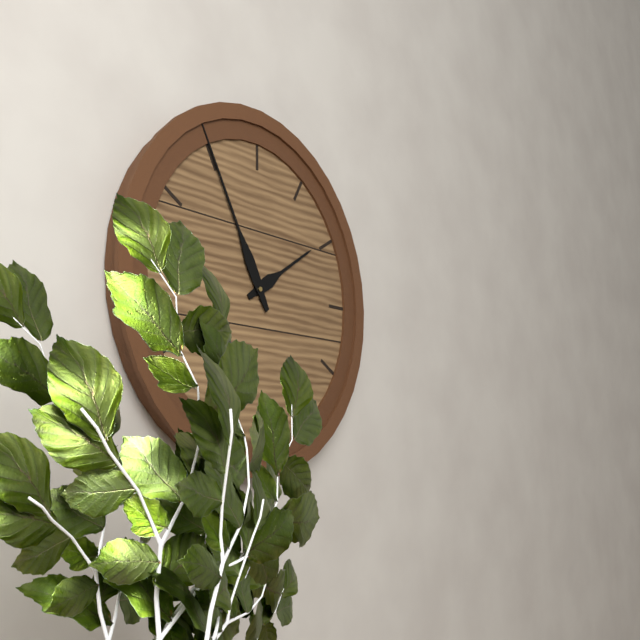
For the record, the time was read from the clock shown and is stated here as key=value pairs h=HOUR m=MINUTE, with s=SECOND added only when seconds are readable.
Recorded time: h=1 m=55
